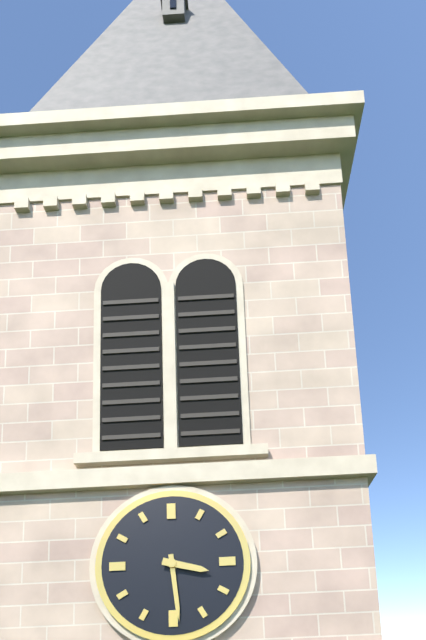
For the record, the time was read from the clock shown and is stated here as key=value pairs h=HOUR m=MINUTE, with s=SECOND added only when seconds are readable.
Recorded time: h=3 m=29
